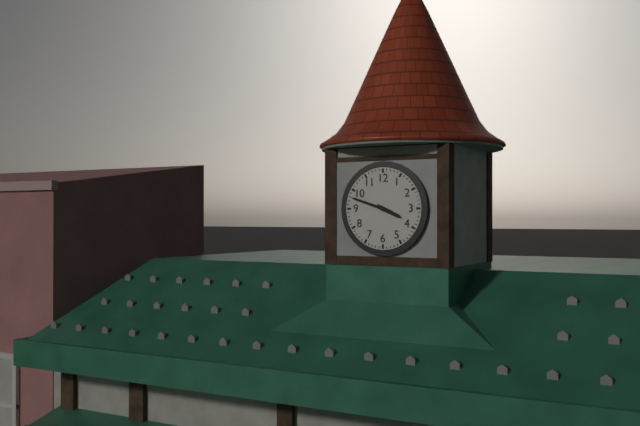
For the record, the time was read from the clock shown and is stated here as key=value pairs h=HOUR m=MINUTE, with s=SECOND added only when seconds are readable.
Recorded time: h=3 m=48
